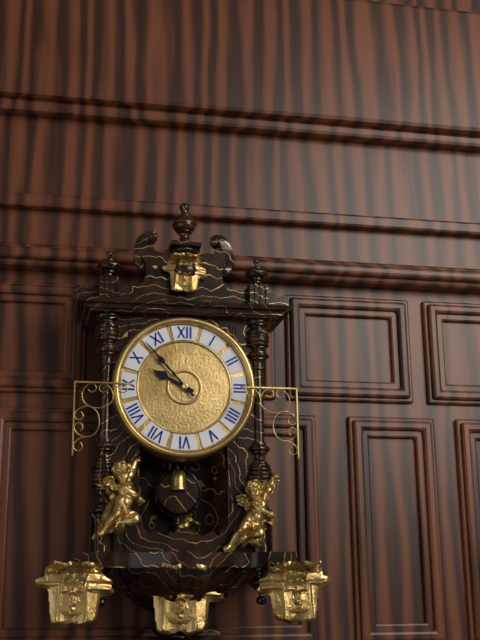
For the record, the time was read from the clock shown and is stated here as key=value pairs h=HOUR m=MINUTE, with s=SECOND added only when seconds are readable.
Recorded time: h=9 m=53
